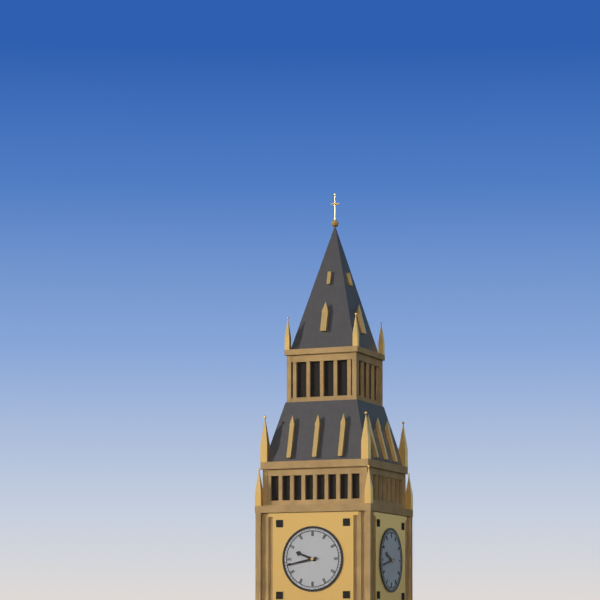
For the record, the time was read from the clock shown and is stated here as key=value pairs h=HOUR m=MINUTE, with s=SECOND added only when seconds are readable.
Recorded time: h=9 m=43
